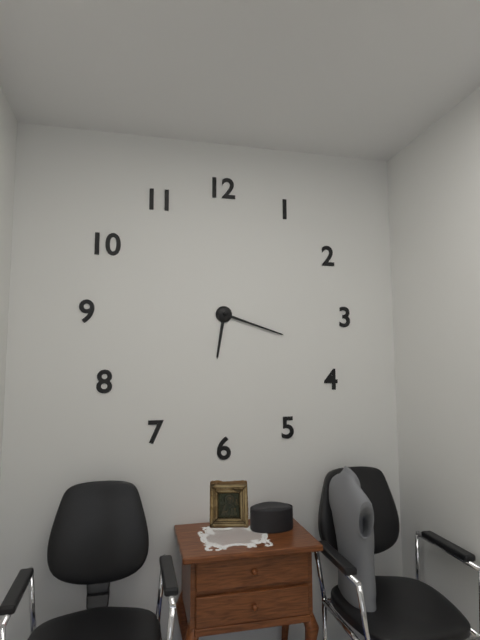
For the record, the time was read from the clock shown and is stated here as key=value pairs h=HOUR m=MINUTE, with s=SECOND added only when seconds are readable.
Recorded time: h=6 m=18
